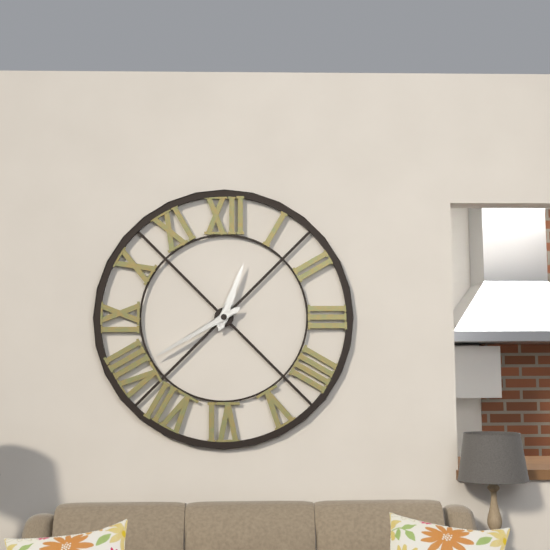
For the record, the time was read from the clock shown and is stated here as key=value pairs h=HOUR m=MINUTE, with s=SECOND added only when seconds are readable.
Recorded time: h=12 m=40
